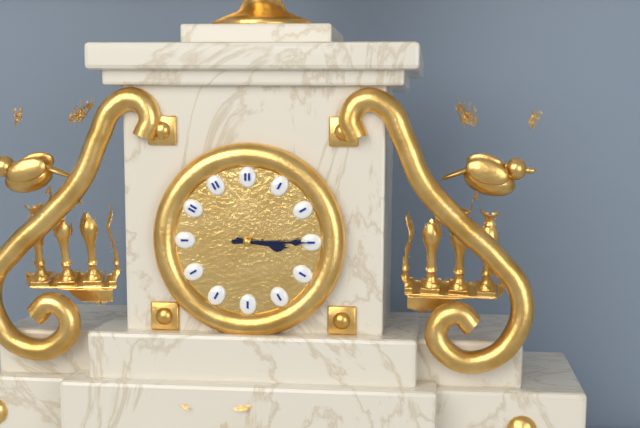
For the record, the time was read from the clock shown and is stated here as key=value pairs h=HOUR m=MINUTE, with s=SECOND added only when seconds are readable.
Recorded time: h=3 m=15
